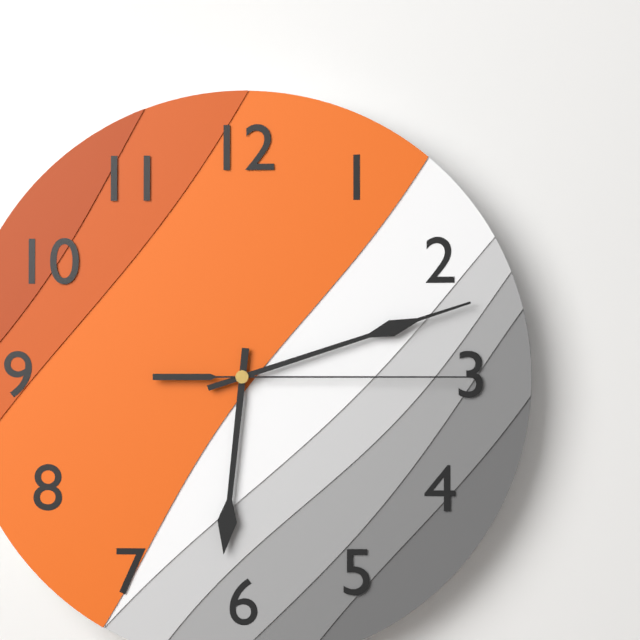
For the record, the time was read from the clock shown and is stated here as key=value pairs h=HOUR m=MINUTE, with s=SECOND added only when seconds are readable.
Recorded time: h=6 m=12 s=15
